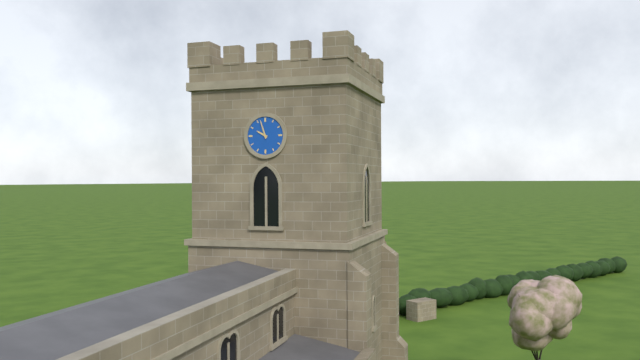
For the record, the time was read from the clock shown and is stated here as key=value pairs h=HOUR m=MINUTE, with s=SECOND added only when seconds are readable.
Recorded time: h=9 m=57
